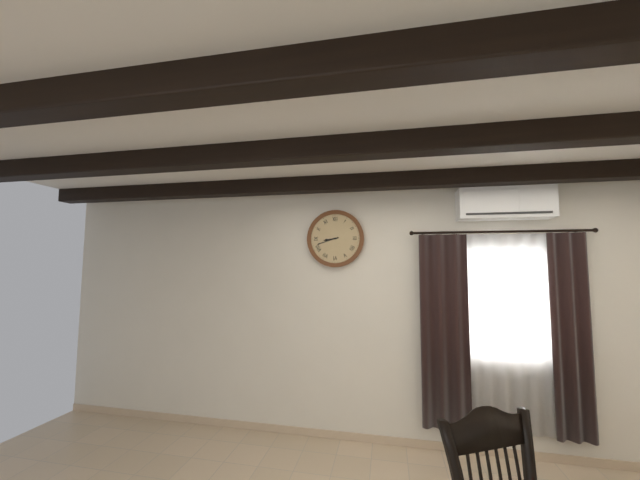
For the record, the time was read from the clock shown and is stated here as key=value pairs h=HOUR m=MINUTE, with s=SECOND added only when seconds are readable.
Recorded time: h=8 m=42
